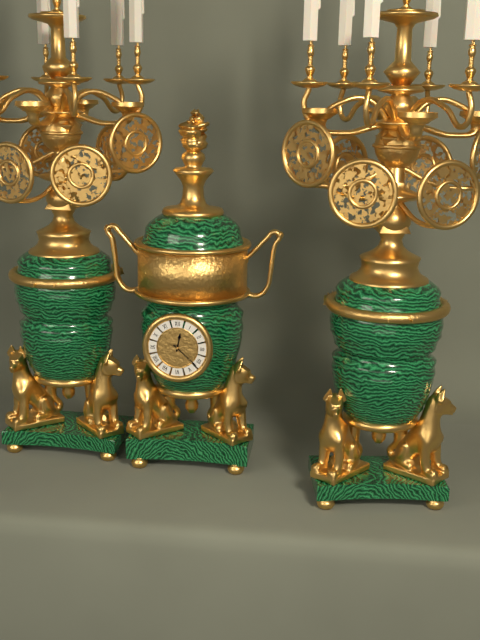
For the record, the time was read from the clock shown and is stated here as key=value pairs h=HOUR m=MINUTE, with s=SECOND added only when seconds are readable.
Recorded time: h=12 m=22
